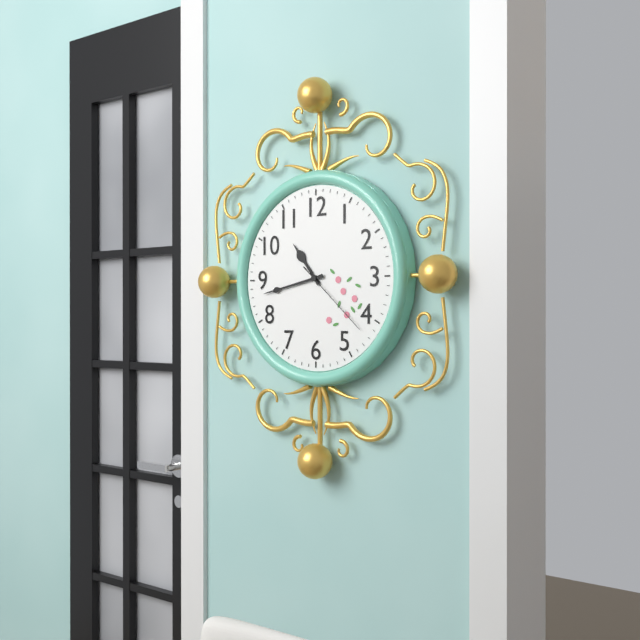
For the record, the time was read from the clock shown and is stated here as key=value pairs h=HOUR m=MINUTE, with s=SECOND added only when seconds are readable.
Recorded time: h=10 m=43 s=22
